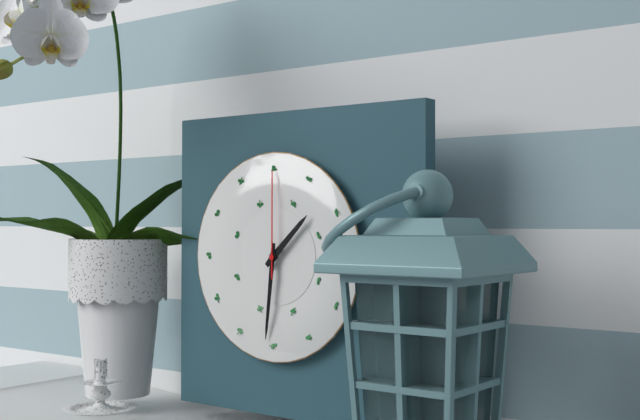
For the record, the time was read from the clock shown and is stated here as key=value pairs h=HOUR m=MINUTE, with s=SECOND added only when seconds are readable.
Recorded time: h=1 m=31 s=0
